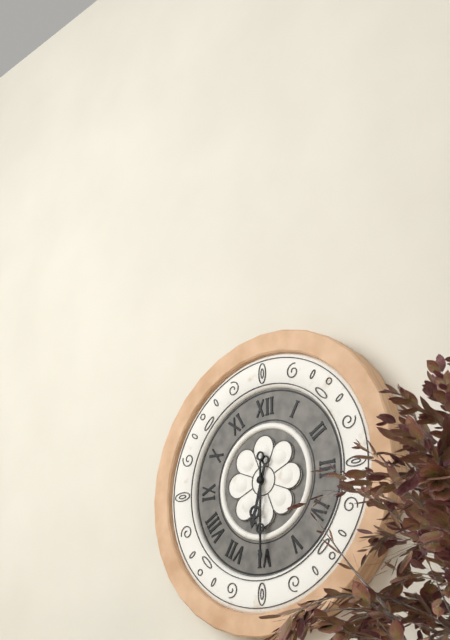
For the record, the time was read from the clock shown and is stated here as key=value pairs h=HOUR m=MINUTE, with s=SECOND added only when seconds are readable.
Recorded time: h=6 m=30
